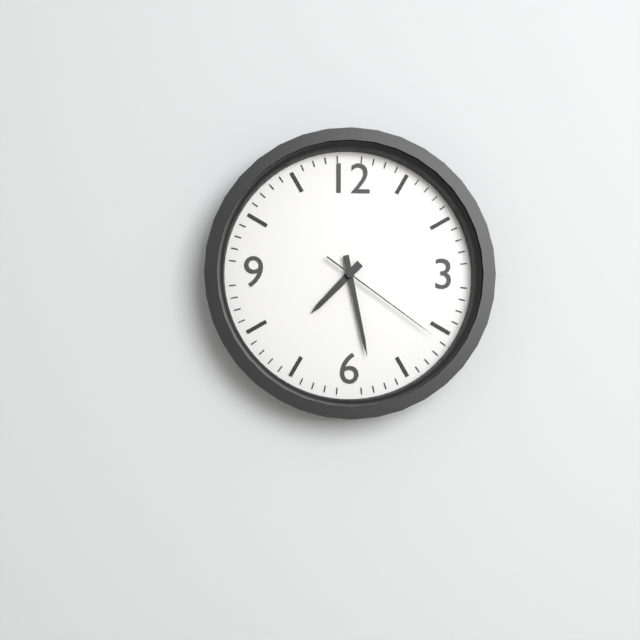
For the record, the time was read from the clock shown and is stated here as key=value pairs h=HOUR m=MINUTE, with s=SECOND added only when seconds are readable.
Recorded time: h=7 m=28 s=21
